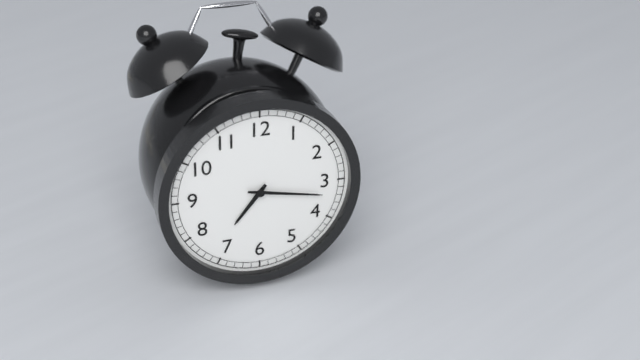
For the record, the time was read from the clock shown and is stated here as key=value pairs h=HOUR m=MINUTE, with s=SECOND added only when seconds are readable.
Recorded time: h=7 m=17
